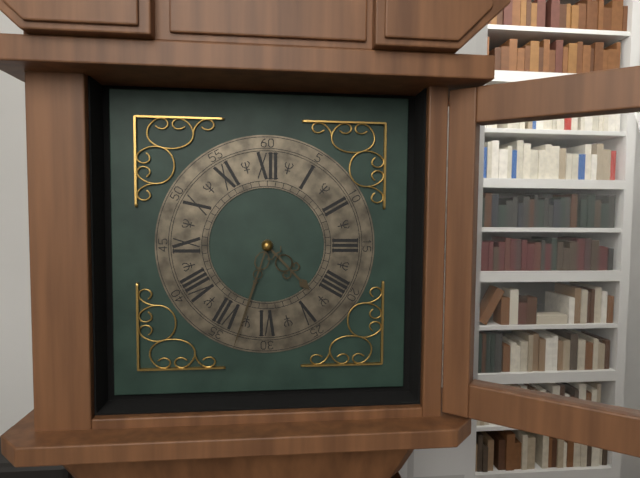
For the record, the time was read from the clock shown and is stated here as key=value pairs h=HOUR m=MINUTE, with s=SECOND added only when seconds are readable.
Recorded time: h=4 m=33
